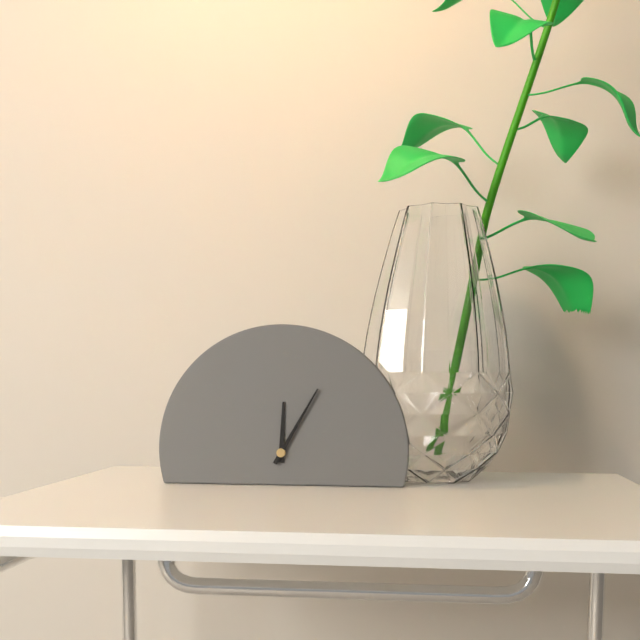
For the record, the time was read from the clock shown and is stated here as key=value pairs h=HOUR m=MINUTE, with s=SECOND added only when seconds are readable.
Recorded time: h=12 m=5
